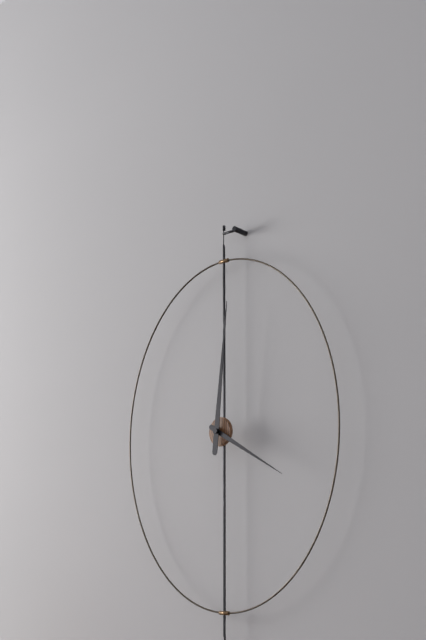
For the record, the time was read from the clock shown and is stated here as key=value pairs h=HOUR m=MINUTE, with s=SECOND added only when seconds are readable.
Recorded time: h=4 m=1
